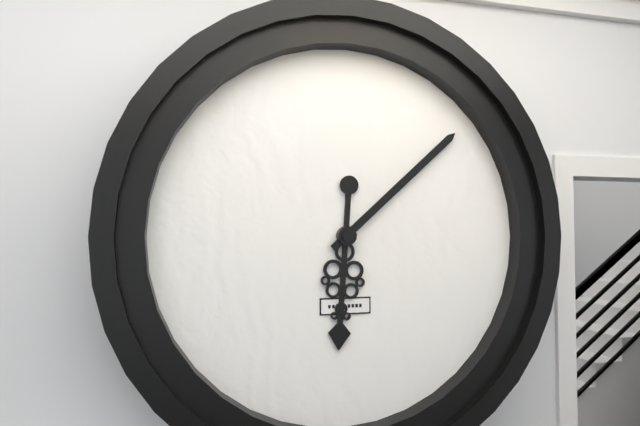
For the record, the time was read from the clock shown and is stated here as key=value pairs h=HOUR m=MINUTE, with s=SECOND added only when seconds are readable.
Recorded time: h=6 m=8
